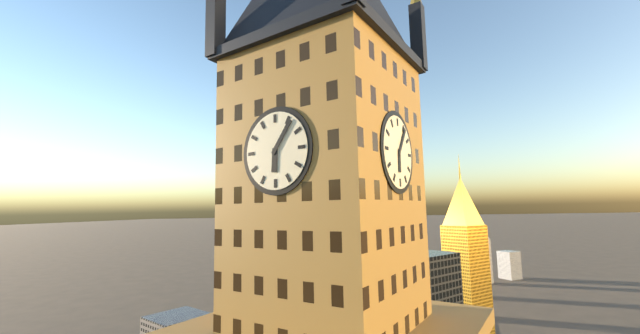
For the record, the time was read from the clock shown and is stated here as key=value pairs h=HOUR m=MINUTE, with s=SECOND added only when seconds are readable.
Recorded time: h=6 m=6
